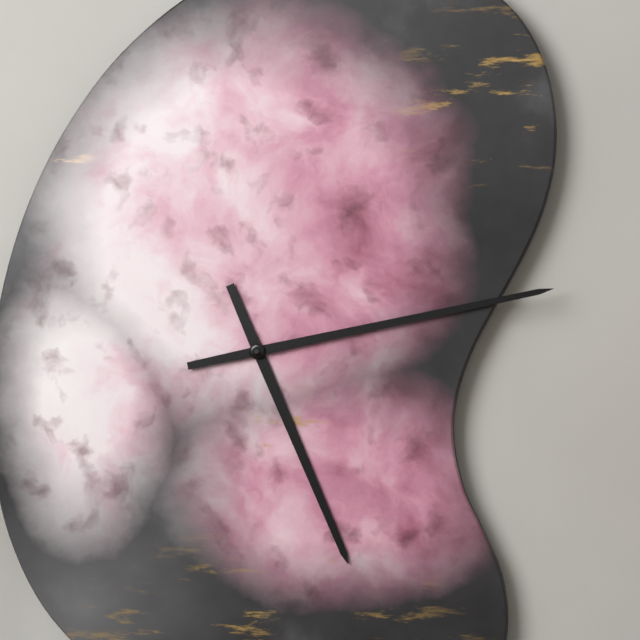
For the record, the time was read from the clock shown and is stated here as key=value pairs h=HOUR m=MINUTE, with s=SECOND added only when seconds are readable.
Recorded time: h=5 m=13
